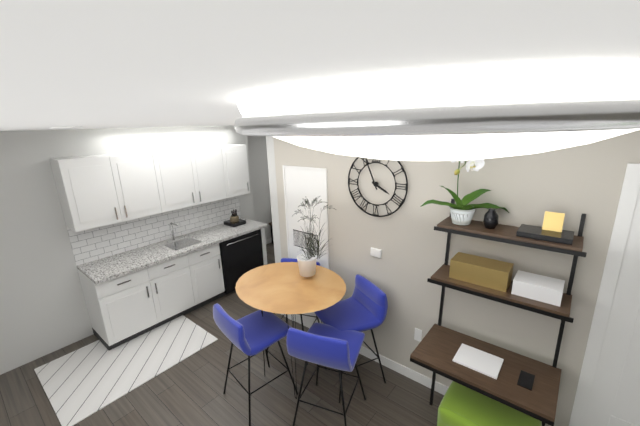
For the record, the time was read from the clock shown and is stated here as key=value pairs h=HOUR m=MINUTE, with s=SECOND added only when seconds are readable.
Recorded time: h=3 m=56
